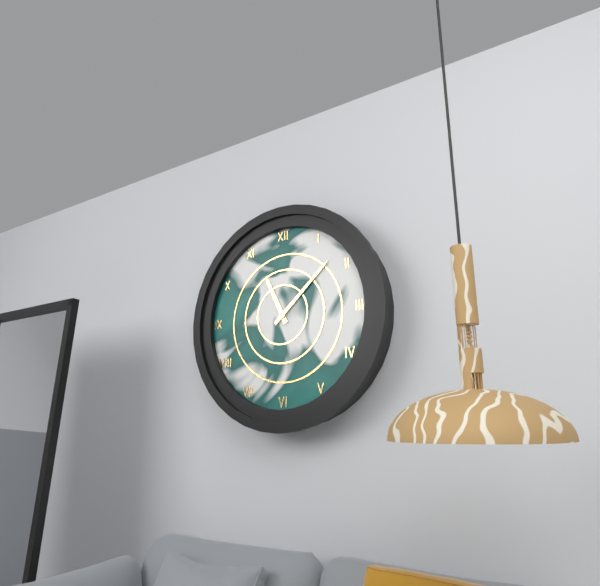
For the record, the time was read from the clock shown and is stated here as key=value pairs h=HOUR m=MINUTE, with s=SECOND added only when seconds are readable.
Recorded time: h=11 m=8
